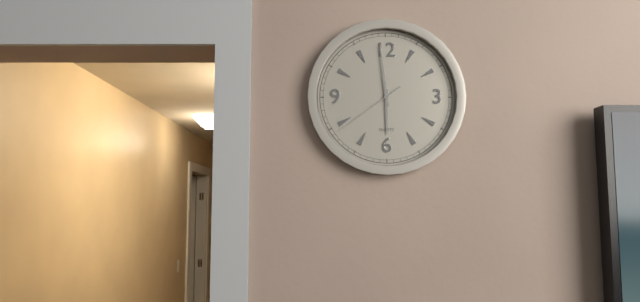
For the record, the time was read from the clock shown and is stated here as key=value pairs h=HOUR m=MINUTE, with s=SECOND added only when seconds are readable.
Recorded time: h=5 m=59 s=39
